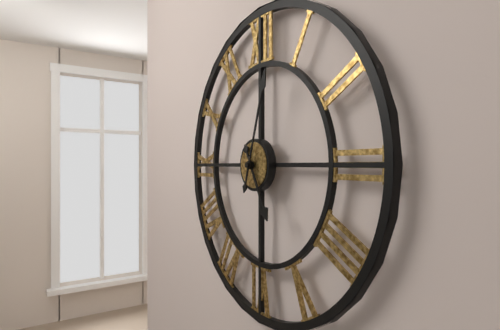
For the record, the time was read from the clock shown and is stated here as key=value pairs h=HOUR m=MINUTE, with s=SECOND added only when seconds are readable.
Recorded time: h=5 m=3
